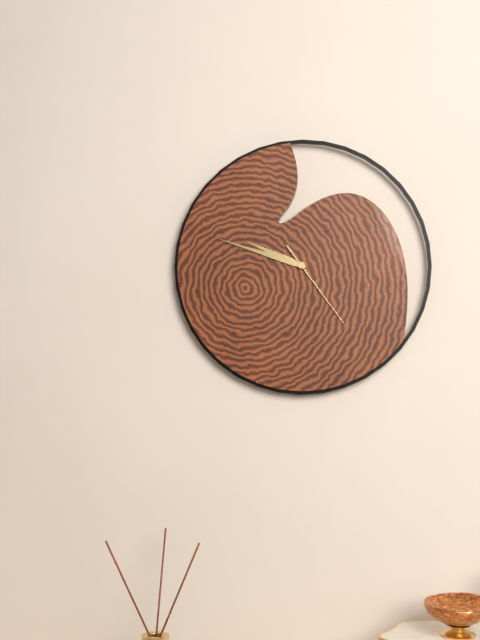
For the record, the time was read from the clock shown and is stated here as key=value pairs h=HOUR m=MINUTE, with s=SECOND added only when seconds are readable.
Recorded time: h=9 m=48 s=24
